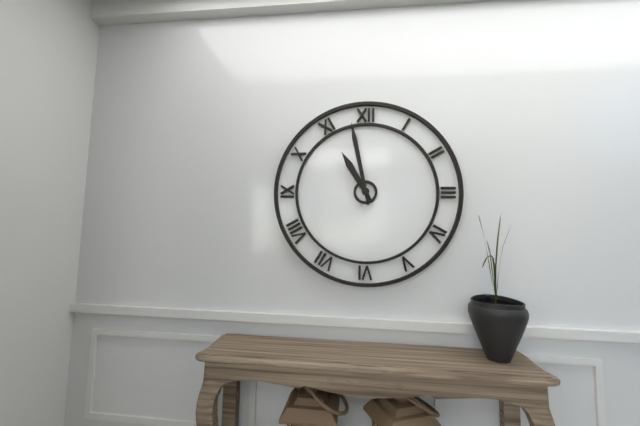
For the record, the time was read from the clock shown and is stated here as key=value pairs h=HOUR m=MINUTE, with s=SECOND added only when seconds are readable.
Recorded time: h=10 m=58
